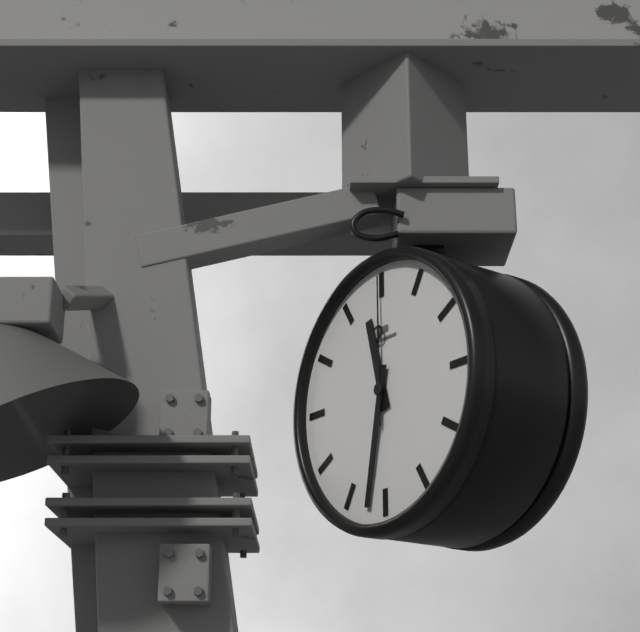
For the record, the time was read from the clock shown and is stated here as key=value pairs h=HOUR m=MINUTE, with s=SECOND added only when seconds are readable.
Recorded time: h=11 m=32 s=0
